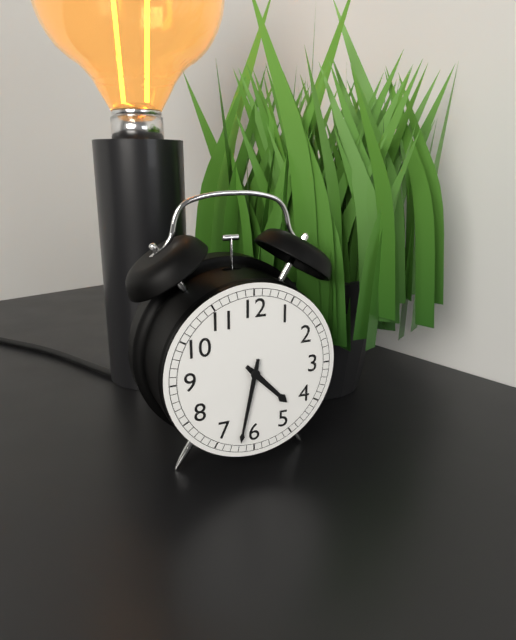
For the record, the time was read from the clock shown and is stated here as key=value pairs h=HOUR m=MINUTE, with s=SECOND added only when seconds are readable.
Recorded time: h=4 m=32
